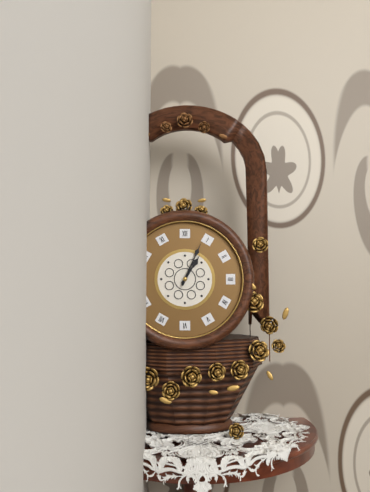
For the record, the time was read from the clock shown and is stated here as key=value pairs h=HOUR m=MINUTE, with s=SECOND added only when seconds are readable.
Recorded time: h=1 m=4
